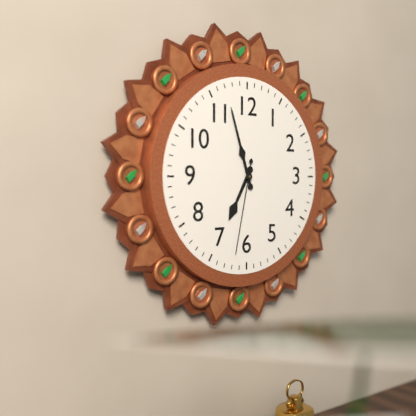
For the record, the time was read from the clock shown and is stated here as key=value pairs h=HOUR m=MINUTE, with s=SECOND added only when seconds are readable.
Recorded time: h=6 m=57 s=32
